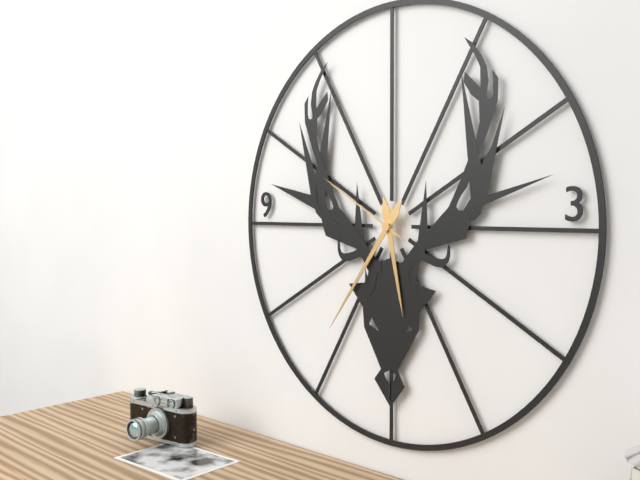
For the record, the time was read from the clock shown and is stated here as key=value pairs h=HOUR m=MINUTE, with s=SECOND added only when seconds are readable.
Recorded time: h=5 m=36 s=50
